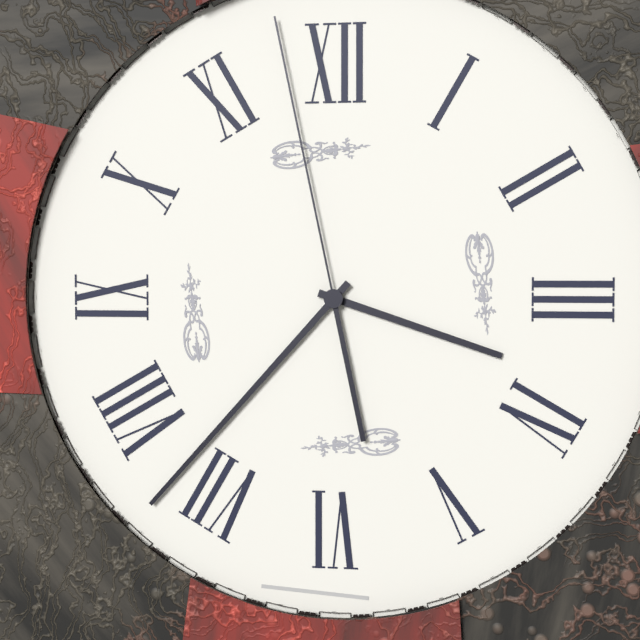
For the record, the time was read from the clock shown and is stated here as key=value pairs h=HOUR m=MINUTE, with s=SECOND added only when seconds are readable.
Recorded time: h=3 m=37 s=58
